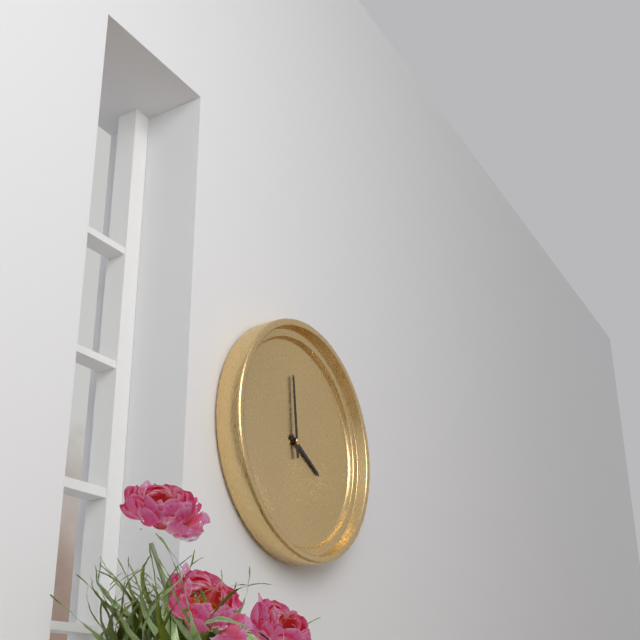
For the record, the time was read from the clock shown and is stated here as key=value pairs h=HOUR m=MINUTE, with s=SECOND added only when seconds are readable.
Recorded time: h=3 m=59
